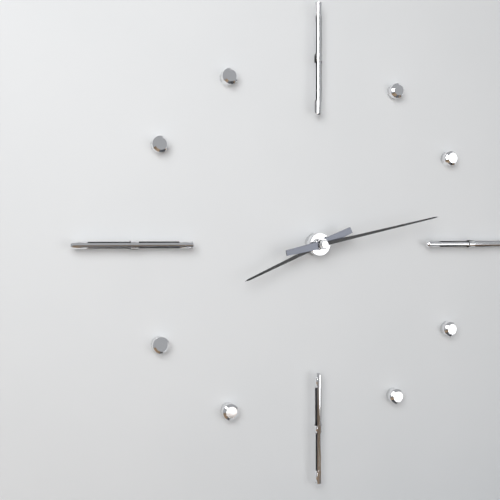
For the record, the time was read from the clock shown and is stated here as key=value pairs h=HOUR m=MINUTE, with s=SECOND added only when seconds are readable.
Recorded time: h=8 m=13
